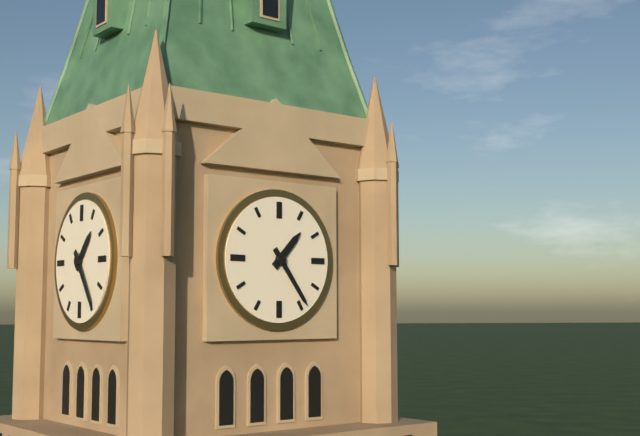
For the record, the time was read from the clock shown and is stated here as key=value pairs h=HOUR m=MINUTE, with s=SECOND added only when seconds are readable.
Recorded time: h=1 m=24
